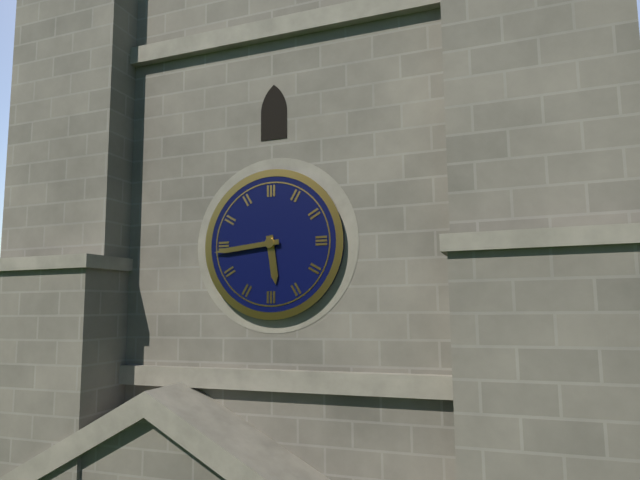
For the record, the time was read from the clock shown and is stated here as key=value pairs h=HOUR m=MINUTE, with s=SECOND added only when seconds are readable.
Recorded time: h=5 m=44
